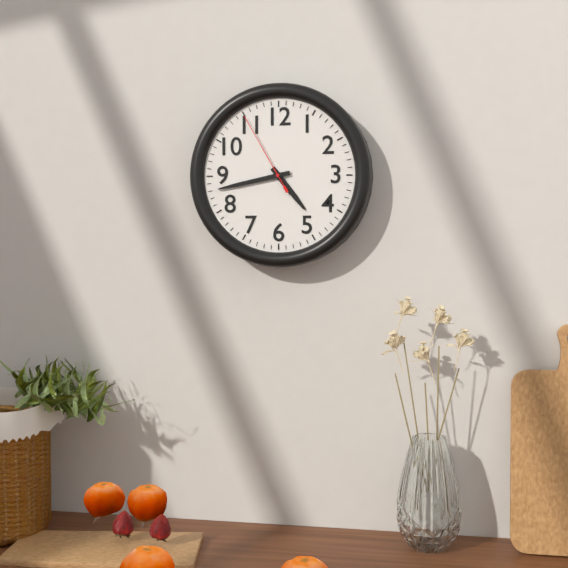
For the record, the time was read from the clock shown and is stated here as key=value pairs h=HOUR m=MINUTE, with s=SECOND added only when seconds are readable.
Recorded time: h=4 m=43 s=55
